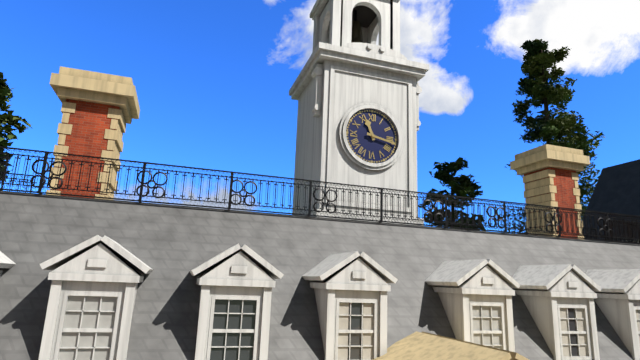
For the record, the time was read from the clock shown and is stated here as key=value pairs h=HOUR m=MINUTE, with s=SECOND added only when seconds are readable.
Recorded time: h=11 m=17
